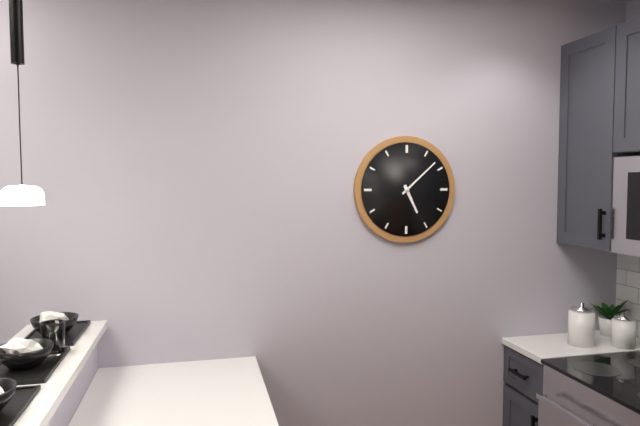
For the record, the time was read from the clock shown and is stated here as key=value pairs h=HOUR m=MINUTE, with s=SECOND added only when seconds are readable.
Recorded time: h=5 m=8
